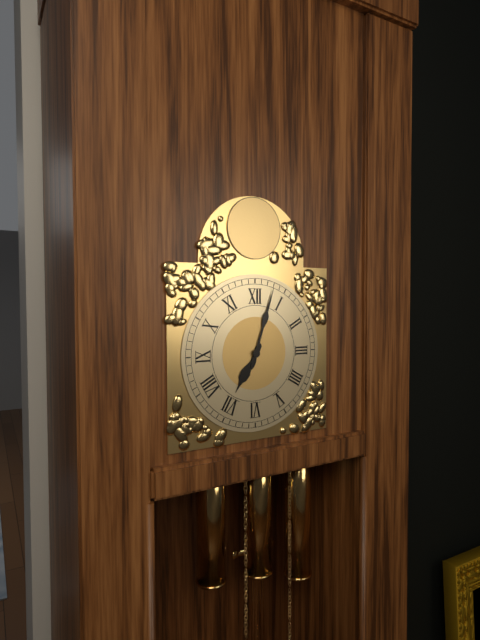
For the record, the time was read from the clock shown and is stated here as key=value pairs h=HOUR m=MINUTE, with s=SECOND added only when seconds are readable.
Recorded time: h=7 m=3
